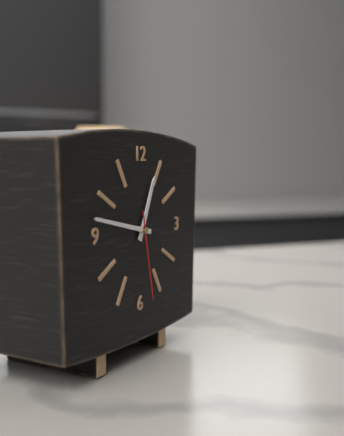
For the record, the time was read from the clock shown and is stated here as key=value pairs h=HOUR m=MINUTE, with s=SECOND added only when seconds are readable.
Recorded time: h=12 m=47 s=28
